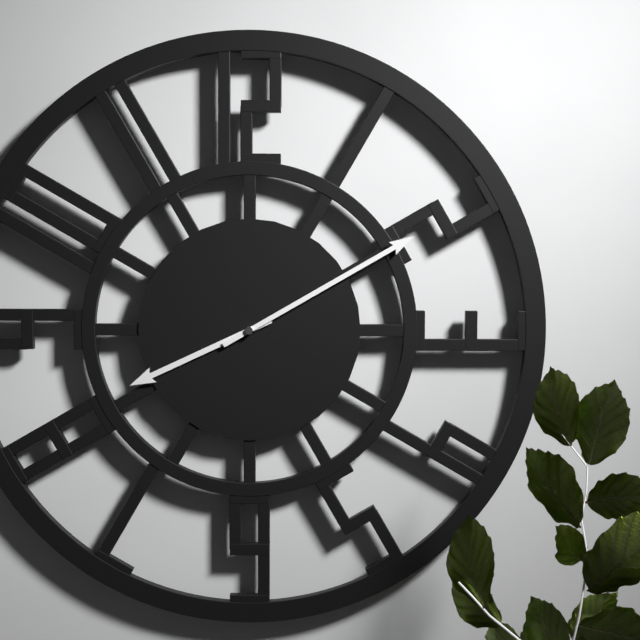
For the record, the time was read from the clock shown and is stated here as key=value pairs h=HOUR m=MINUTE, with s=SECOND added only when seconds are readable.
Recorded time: h=8 m=10
